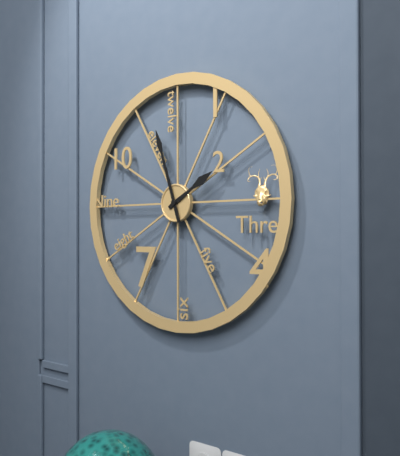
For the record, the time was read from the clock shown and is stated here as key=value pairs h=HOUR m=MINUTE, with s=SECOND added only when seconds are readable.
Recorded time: h=1 m=57
